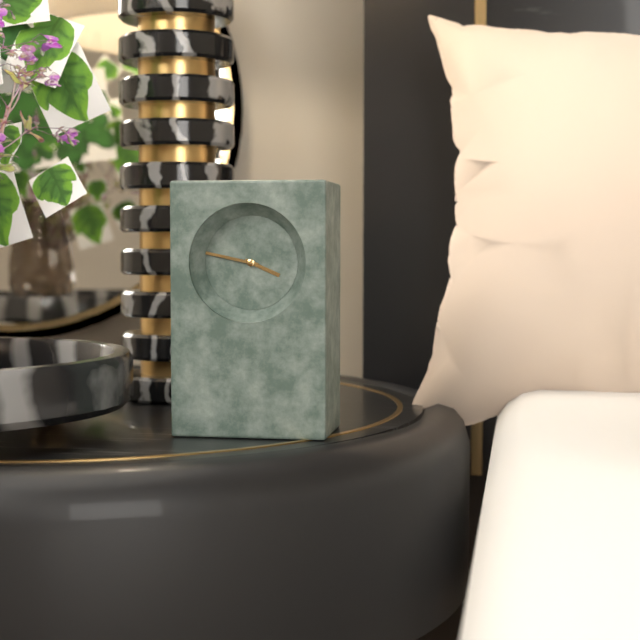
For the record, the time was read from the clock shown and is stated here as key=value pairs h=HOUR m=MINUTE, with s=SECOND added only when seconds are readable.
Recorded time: h=3 m=47
